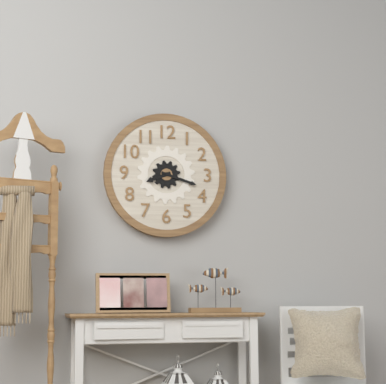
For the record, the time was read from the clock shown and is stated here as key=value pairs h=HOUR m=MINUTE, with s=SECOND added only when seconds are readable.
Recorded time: h=8 m=18
